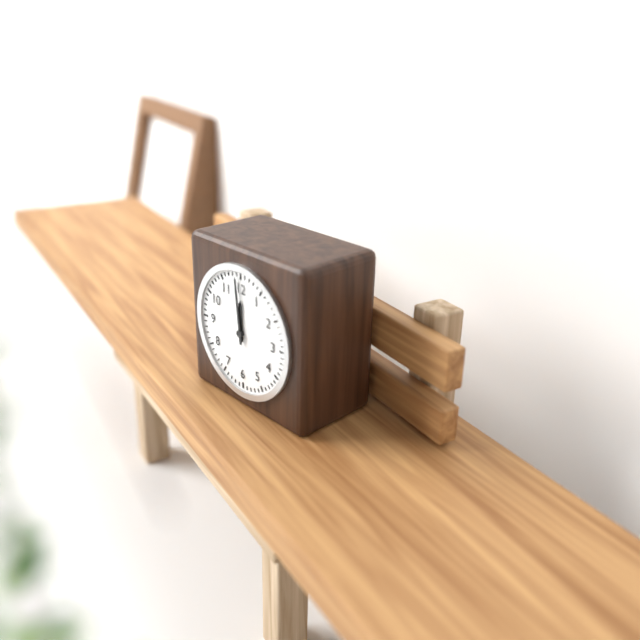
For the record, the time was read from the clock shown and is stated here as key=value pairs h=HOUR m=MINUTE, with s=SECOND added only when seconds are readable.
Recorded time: h=11 m=59
